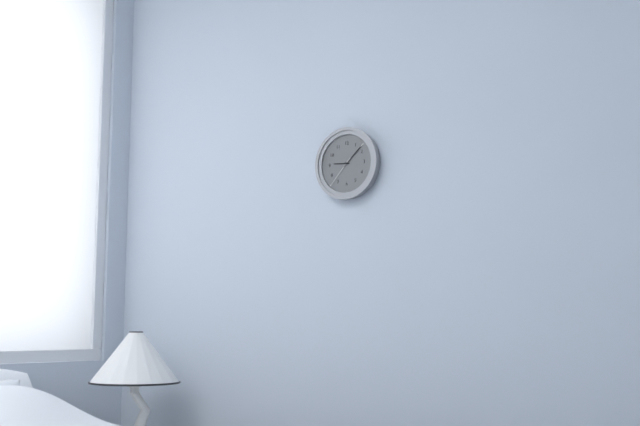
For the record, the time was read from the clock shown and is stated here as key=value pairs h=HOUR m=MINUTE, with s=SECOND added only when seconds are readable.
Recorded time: h=9 m=8
